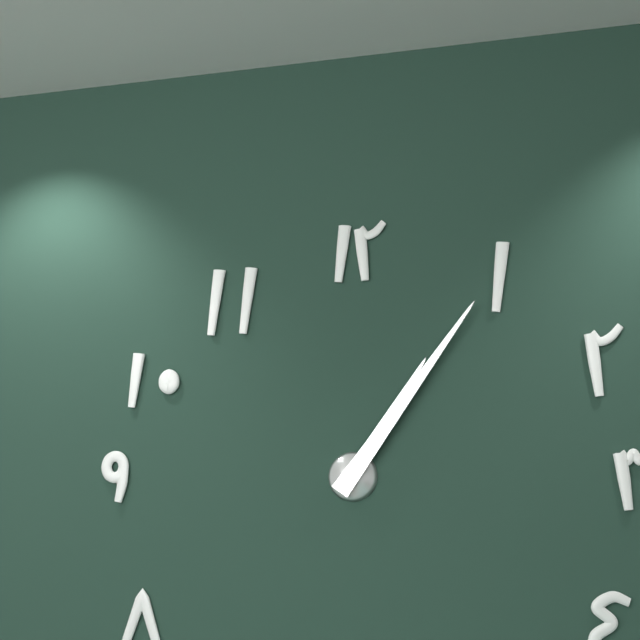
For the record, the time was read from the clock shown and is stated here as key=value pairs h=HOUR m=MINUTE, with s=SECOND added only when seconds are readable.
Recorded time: h=1 m=6
